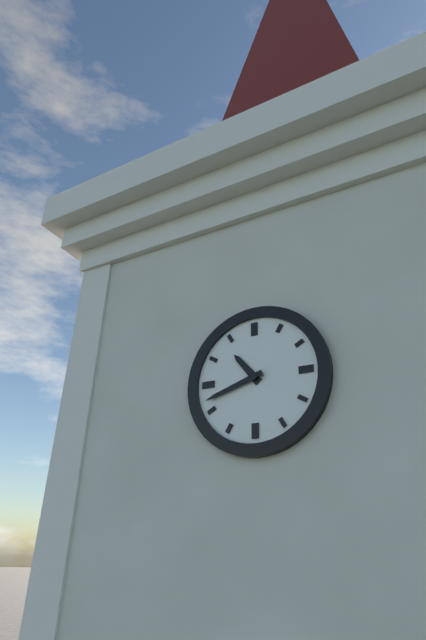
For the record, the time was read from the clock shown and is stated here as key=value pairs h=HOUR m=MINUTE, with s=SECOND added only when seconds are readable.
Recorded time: h=10 m=42
